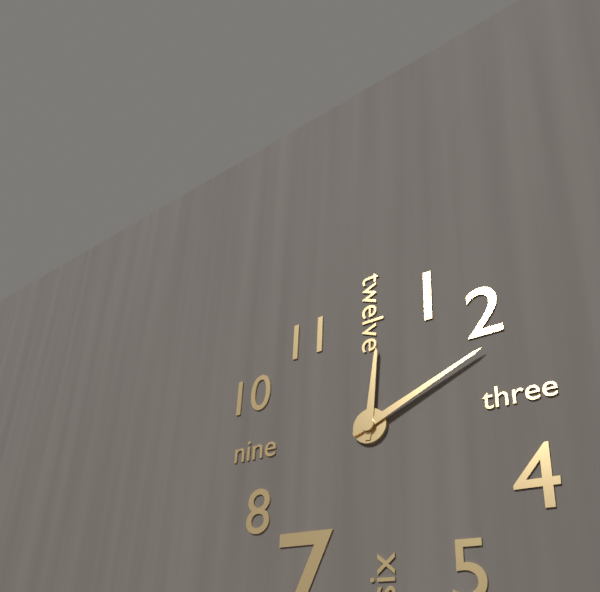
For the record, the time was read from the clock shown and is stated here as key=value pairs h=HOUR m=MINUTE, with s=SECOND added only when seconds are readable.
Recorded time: h=12 m=11
